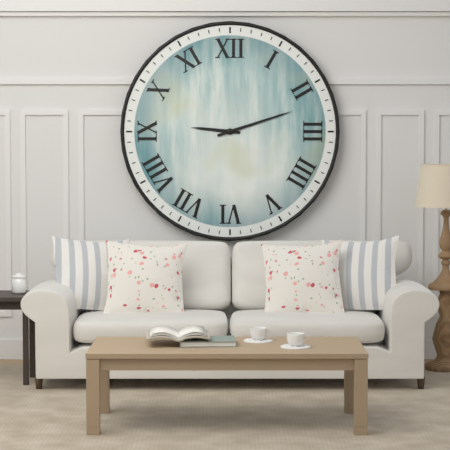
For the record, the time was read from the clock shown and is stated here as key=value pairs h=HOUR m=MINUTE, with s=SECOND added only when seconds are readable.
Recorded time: h=9 m=12
